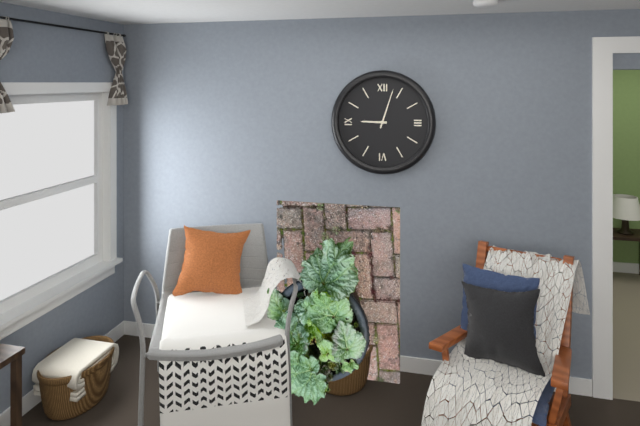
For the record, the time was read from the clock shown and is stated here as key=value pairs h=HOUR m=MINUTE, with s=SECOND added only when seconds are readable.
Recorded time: h=9 m=3
